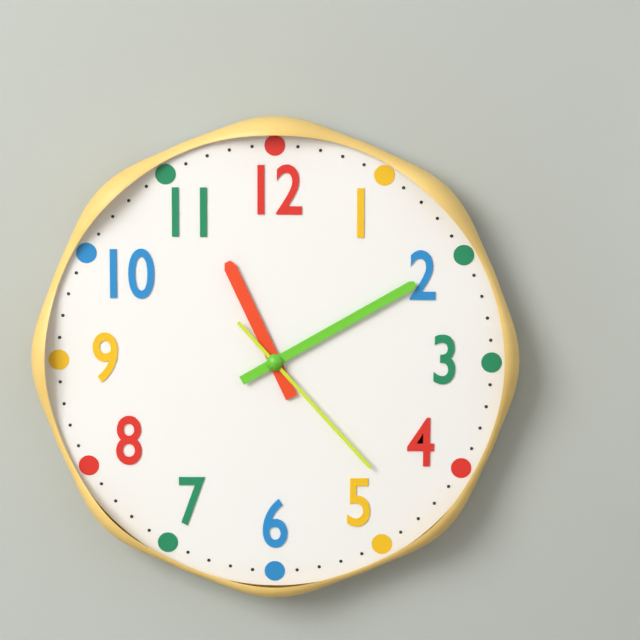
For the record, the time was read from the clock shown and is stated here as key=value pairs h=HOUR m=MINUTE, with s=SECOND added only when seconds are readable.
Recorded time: h=11 m=10 s=23
